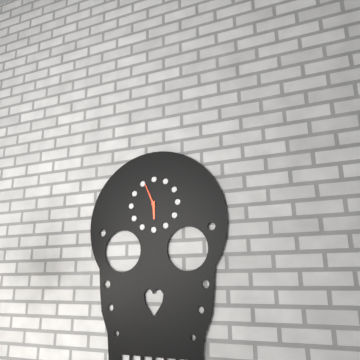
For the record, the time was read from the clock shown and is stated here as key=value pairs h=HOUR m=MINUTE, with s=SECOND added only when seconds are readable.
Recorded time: h=5 m=56
